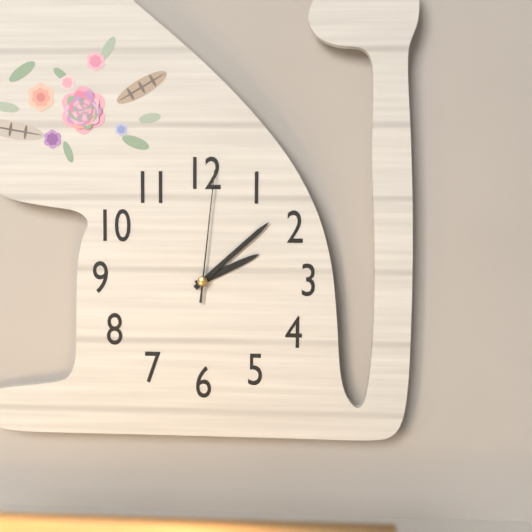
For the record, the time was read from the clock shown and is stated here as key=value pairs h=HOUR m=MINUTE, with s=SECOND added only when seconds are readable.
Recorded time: h=2 m=8 s=1
